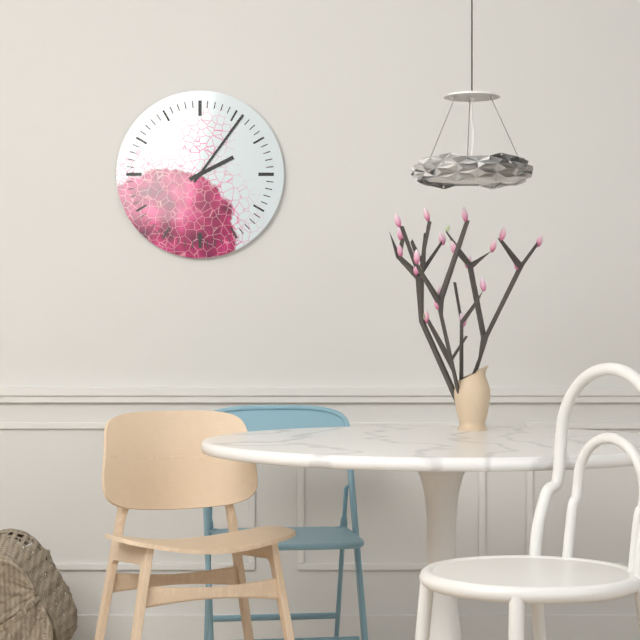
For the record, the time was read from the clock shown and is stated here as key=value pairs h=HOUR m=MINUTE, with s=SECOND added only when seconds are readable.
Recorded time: h=2 m=6
